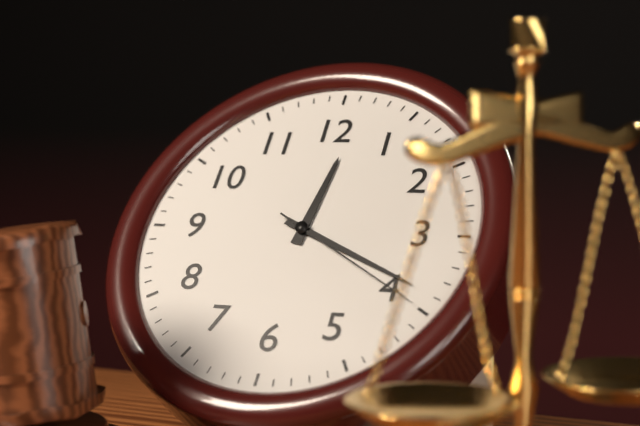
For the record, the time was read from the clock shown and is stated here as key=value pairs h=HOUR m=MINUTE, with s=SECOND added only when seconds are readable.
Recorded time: h=12 m=19 s=20
